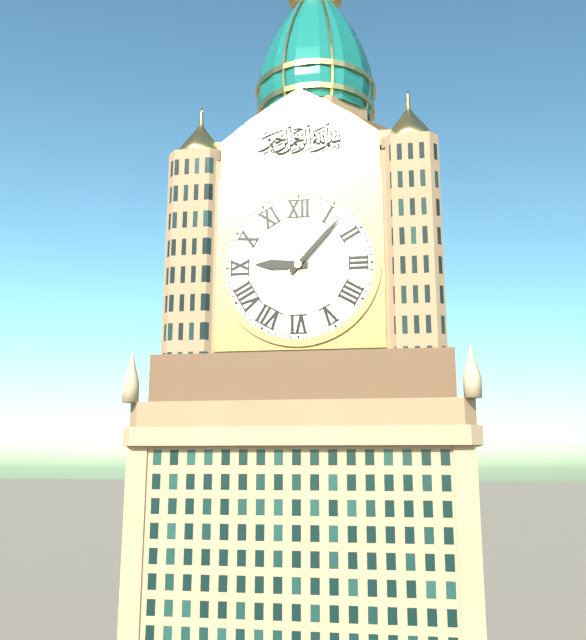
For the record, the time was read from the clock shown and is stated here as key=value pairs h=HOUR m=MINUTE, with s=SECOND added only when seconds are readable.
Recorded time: h=9 m=7
